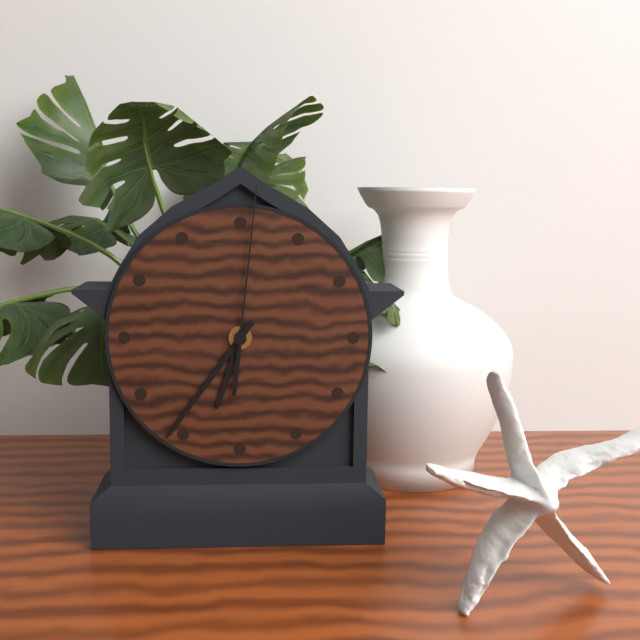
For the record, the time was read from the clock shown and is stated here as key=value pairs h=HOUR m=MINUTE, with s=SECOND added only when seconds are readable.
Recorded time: h=6 m=36 s=1
